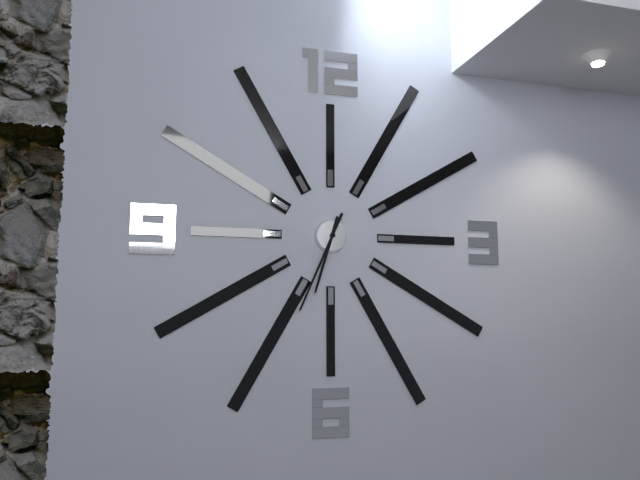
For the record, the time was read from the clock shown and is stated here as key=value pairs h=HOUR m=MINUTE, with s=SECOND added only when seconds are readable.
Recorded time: h=6 m=34
